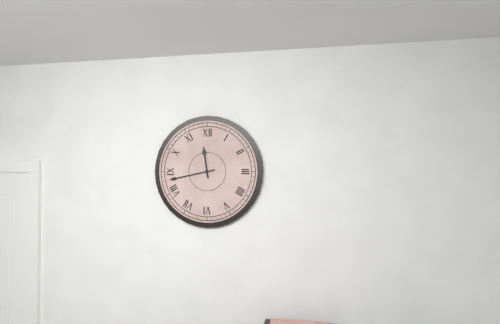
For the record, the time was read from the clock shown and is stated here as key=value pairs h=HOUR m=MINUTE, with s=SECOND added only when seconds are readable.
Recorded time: h=11 m=43
